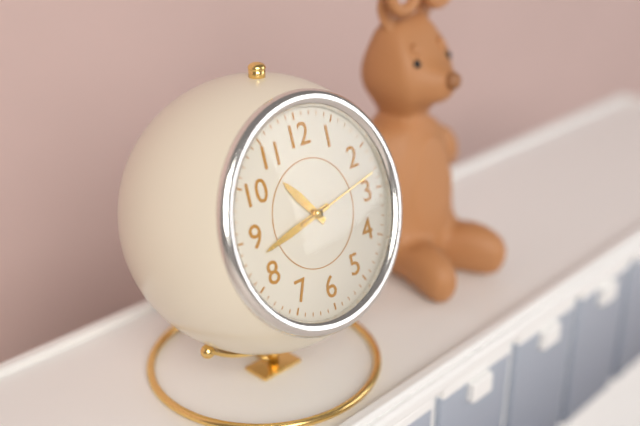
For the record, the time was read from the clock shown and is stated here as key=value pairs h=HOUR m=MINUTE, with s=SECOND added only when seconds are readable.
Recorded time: h=10 m=43 s=13
